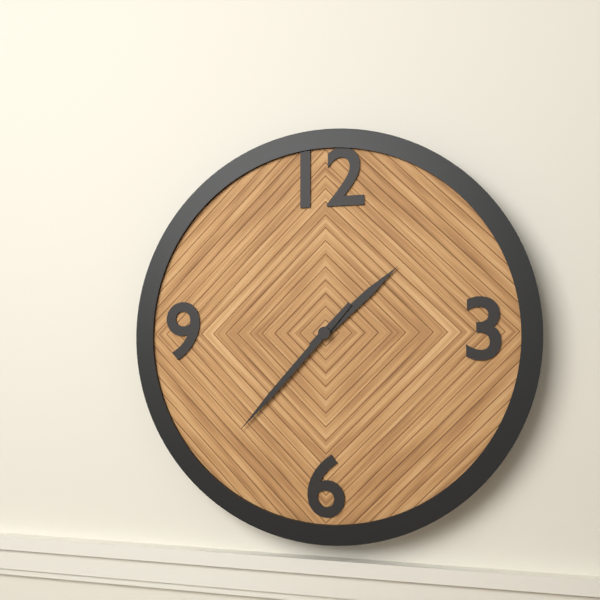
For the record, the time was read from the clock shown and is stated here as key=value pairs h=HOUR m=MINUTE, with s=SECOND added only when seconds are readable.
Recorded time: h=1 m=37
